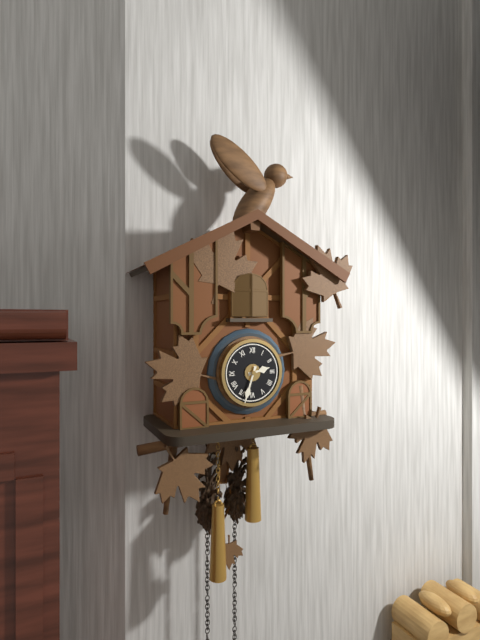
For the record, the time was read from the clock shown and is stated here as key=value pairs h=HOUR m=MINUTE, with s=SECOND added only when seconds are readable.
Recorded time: h=2 m=33
